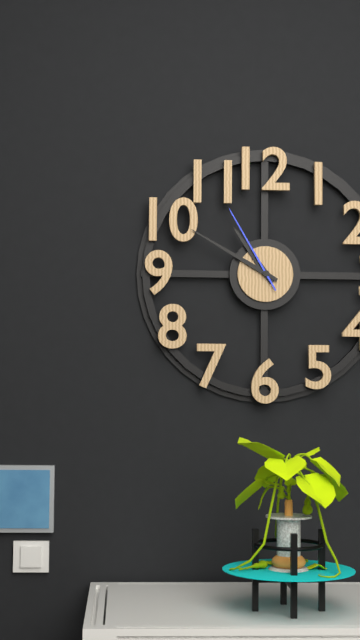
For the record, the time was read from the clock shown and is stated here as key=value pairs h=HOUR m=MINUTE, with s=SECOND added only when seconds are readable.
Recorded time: h=10 m=50 s=55
